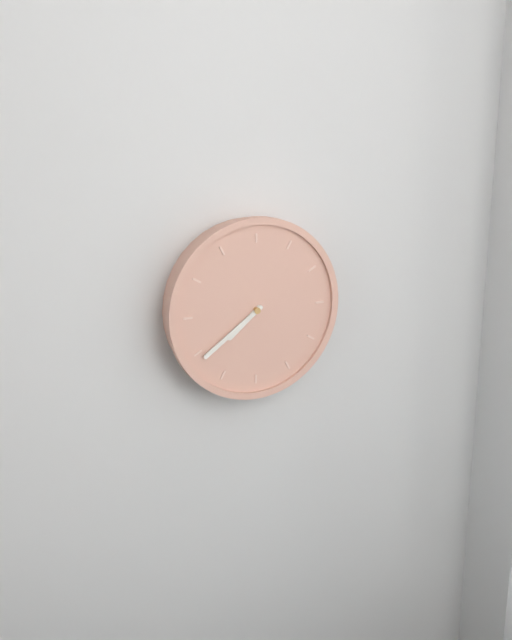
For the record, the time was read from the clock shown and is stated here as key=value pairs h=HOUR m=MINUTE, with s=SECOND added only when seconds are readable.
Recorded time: h=7 m=39
